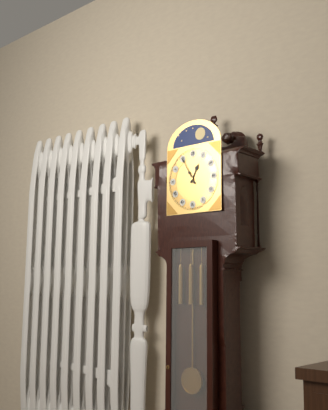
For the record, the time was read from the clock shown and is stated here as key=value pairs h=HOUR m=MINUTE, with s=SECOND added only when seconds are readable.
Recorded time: h=12 m=55
